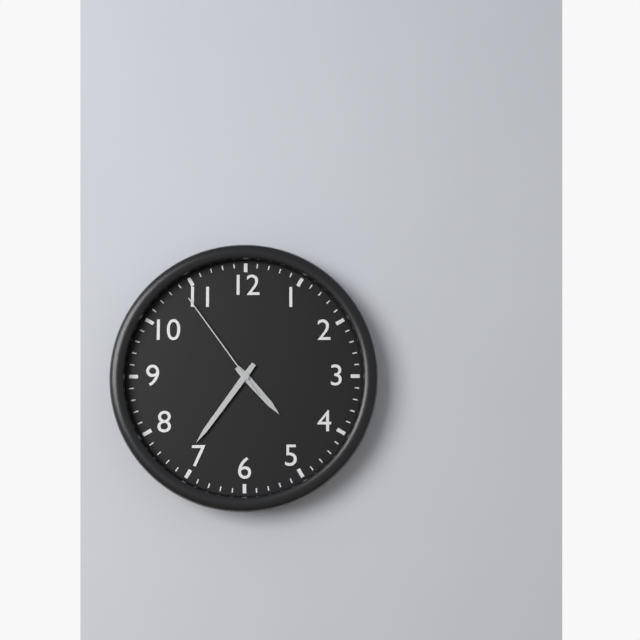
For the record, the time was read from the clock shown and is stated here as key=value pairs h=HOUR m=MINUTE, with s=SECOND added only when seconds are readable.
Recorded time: h=4 m=36 s=54
